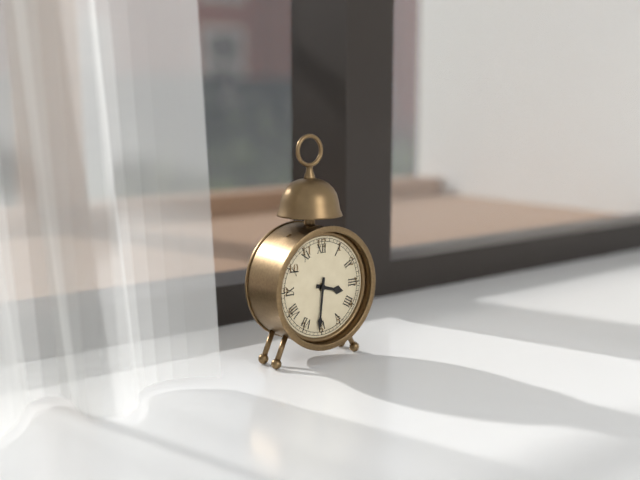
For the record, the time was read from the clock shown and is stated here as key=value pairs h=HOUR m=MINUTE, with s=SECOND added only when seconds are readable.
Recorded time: h=3 m=31
